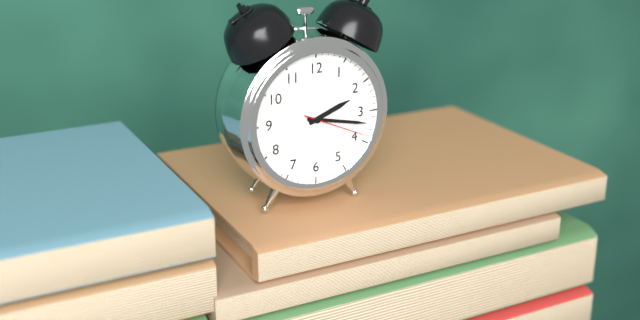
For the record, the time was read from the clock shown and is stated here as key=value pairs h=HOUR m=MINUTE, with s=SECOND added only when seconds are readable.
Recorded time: h=2 m=17 s=19
